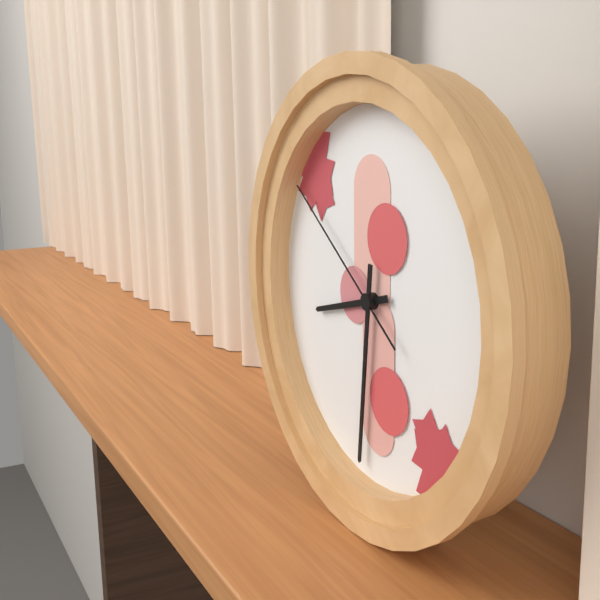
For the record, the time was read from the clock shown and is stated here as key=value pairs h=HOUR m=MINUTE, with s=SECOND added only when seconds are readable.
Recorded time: h=8 m=31 s=51
